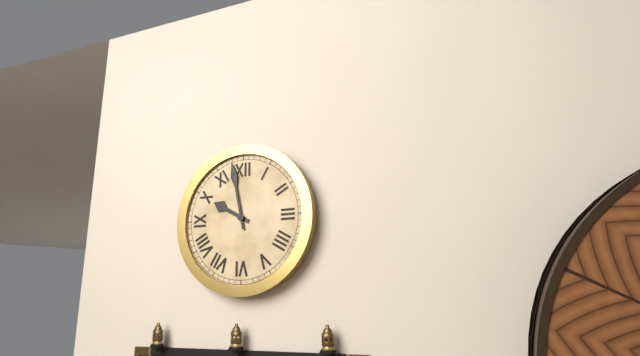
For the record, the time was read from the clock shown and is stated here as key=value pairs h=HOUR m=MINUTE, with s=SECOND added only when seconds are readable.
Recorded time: h=9 m=58
